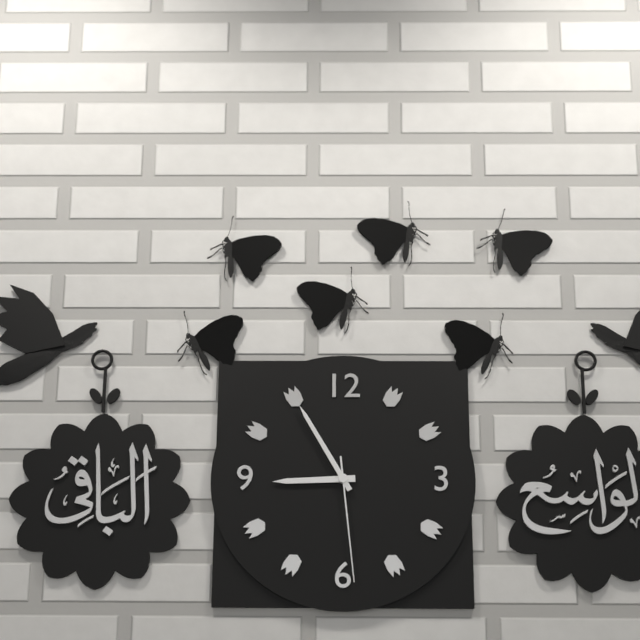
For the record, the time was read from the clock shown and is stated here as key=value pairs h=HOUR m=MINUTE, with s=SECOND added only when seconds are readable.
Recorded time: h=8 m=55 s=29
